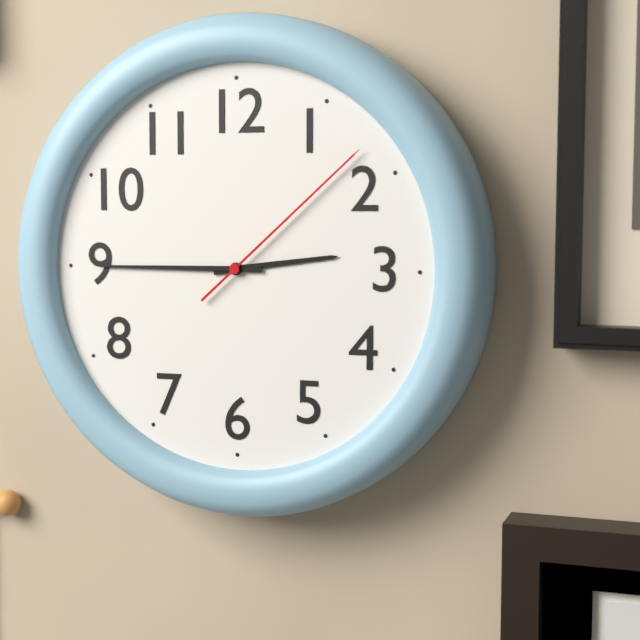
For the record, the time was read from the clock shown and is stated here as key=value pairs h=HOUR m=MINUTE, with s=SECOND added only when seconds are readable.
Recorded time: h=2 m=45 s=8
